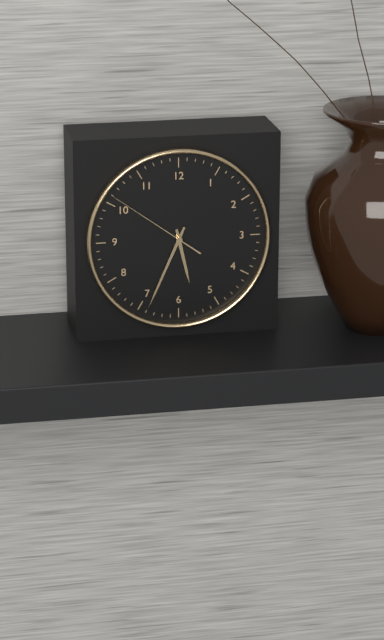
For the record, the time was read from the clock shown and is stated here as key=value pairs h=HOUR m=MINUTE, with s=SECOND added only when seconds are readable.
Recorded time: h=5 m=34 s=51
